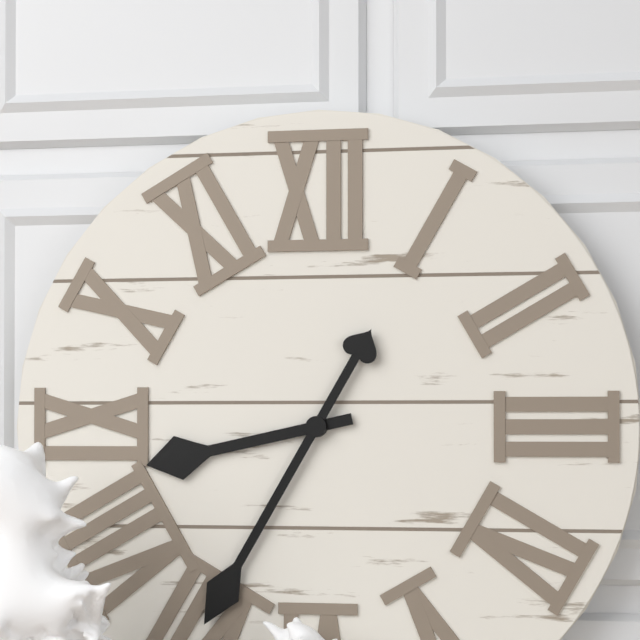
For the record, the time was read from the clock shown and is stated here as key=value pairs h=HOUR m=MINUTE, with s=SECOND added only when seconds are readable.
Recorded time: h=8 m=35
